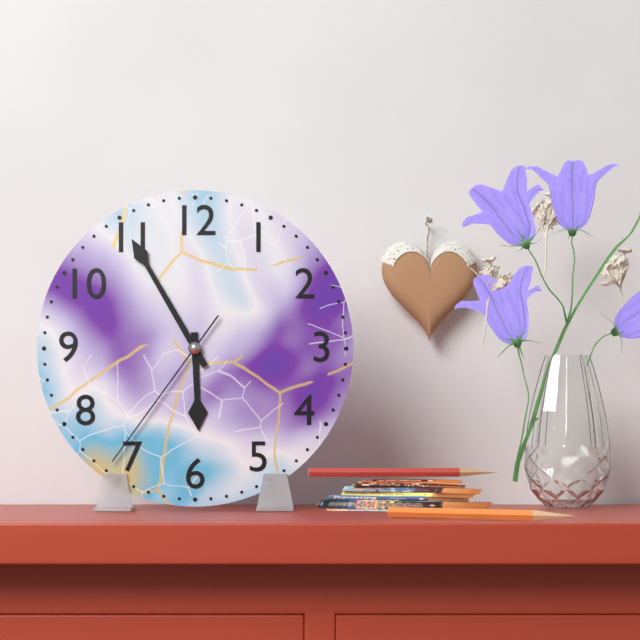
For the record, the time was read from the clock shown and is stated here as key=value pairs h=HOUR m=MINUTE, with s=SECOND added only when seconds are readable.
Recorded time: h=5 m=55 s=36
